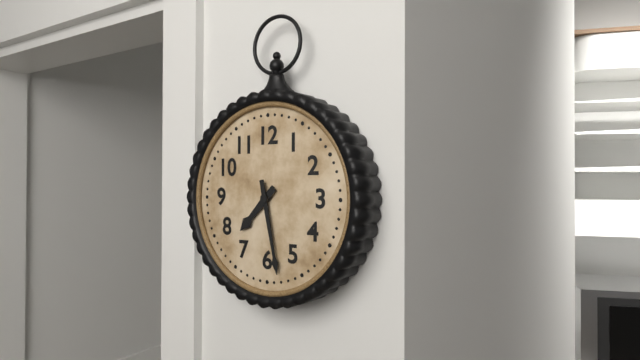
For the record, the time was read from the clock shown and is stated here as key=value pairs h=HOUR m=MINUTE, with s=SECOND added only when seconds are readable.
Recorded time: h=7 m=28
